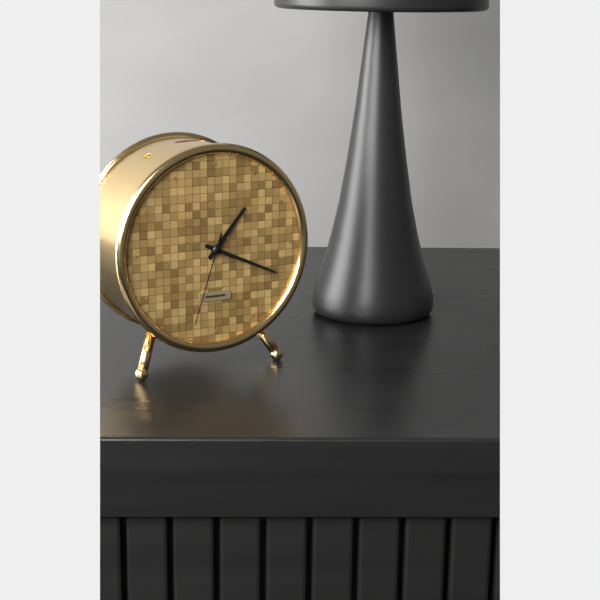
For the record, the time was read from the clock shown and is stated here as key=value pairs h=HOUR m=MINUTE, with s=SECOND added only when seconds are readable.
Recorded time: h=1 m=19 s=33
